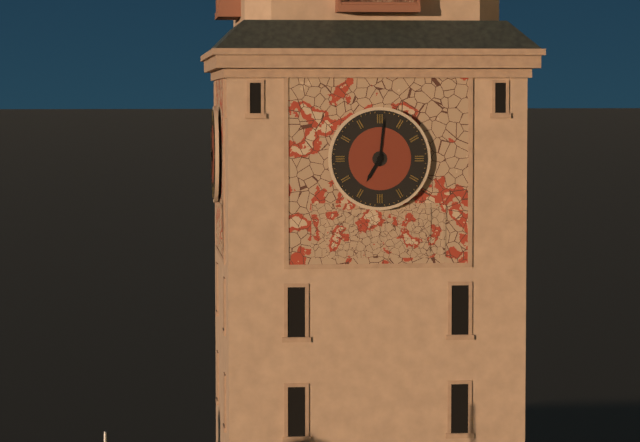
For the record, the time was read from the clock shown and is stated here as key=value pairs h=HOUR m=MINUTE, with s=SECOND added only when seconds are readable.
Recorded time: h=7 m=1
